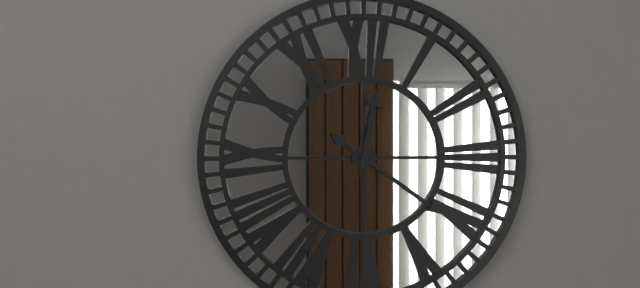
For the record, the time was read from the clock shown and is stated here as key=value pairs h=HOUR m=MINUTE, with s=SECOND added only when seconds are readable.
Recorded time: h=12 m=21
